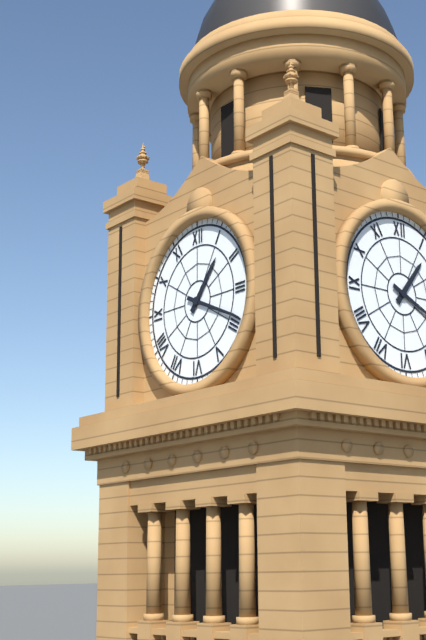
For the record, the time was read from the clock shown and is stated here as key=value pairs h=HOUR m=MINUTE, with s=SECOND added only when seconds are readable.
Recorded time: h=1 m=19
